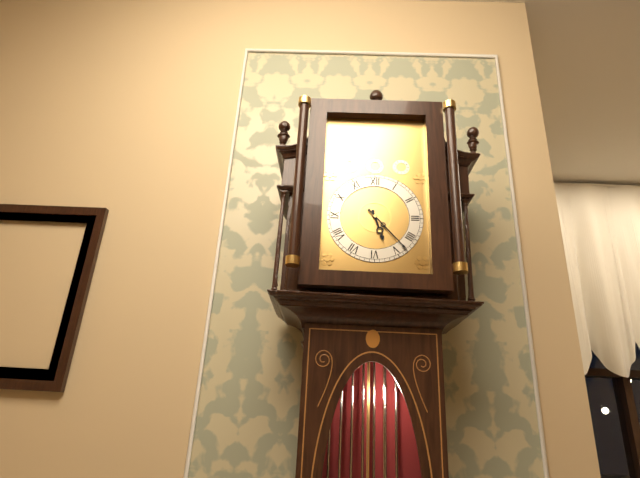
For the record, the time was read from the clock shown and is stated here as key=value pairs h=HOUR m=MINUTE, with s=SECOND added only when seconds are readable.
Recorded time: h=5 m=23
